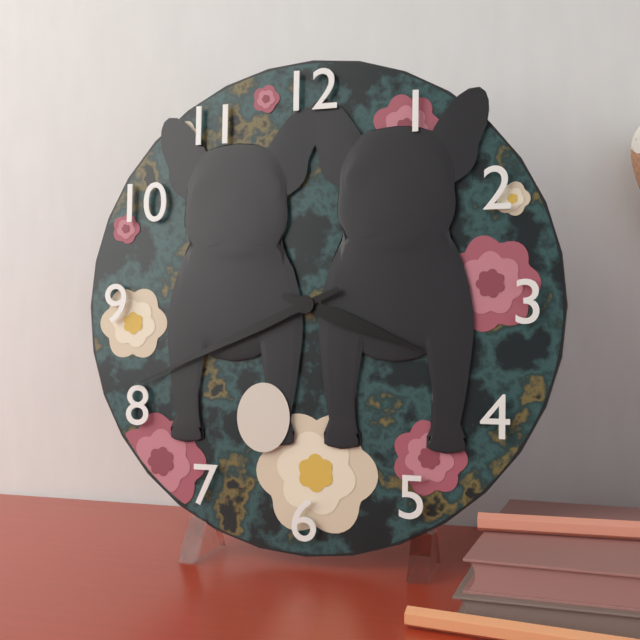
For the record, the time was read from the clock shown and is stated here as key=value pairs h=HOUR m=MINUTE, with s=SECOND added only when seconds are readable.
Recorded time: h=3 m=41
